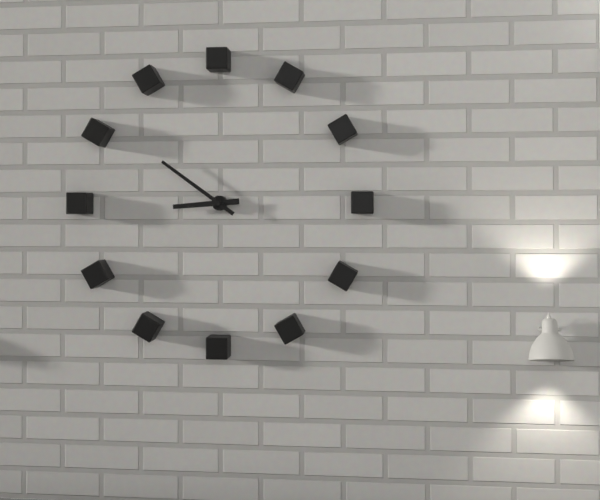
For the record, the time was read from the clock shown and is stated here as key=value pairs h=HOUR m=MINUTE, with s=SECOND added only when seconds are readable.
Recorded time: h=8 m=51
